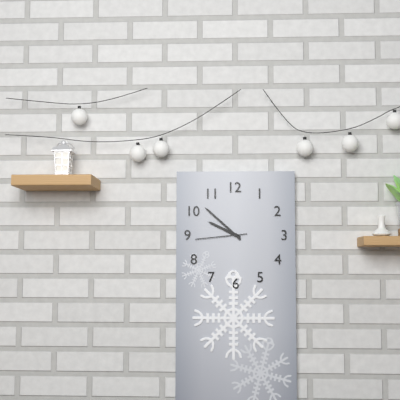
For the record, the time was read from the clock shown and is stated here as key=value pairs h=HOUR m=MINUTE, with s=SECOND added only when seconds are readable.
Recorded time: h=9 m=52 s=44
